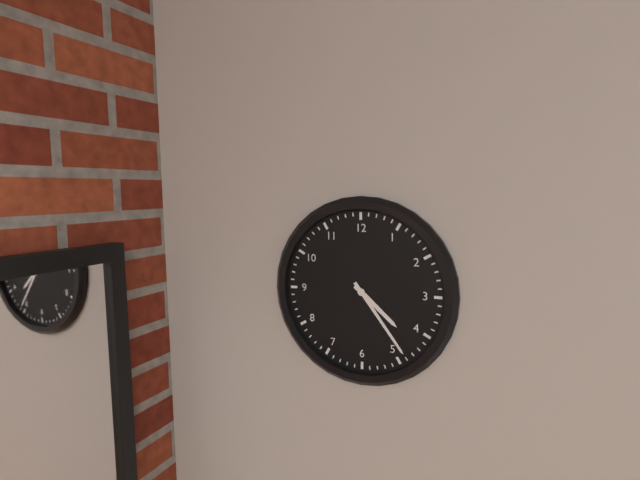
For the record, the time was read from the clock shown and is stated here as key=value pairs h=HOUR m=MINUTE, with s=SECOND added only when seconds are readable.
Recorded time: h=4 m=24
